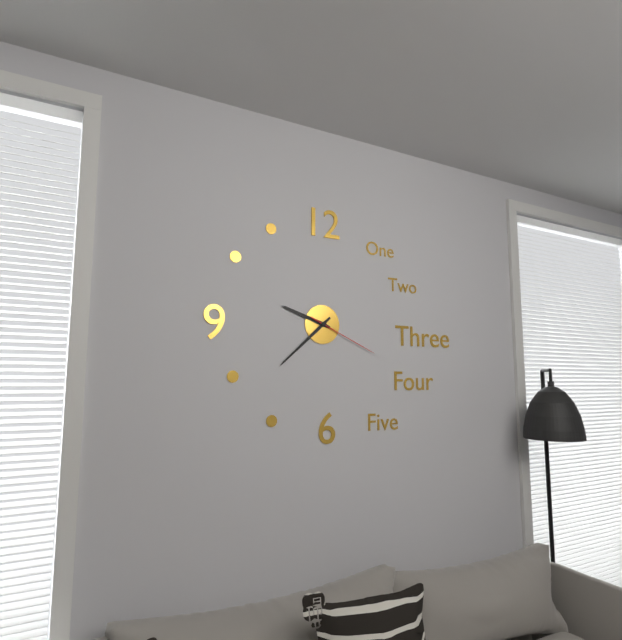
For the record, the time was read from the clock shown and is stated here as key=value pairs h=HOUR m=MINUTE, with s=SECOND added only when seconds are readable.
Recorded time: h=9 m=38 s=19
